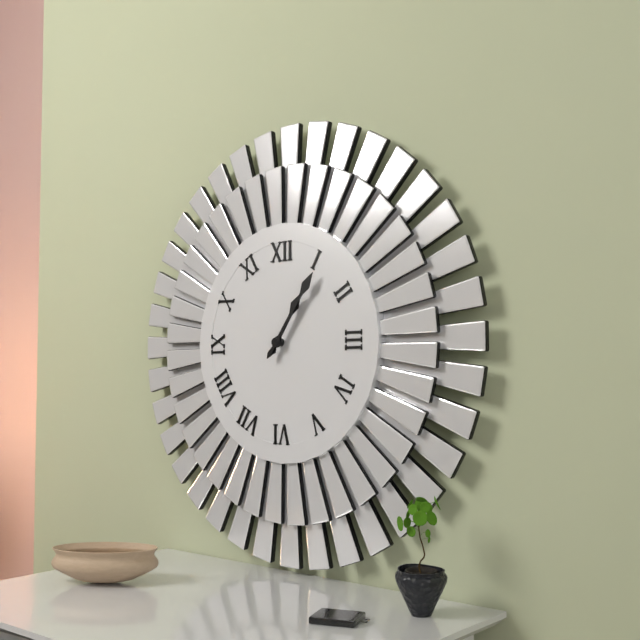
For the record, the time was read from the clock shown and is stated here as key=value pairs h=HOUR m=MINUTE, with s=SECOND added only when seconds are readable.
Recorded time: h=1 m=6
